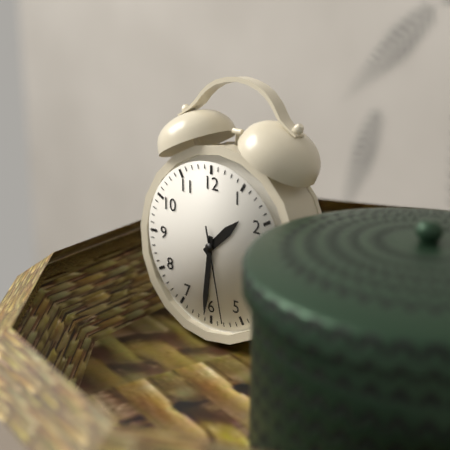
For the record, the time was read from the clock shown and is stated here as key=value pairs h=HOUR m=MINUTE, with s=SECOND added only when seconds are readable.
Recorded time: h=1 m=31 s=28
